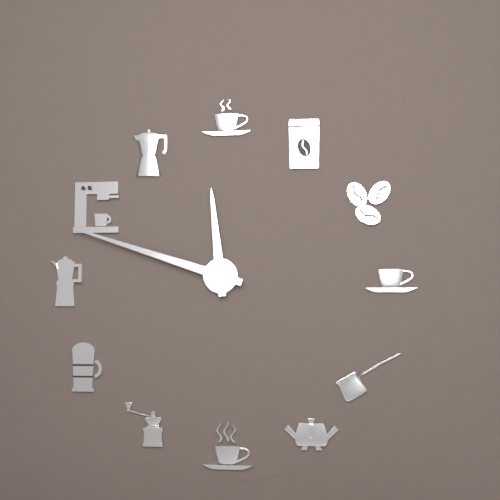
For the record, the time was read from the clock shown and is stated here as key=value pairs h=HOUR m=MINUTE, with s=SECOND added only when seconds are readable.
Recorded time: h=11 m=48
